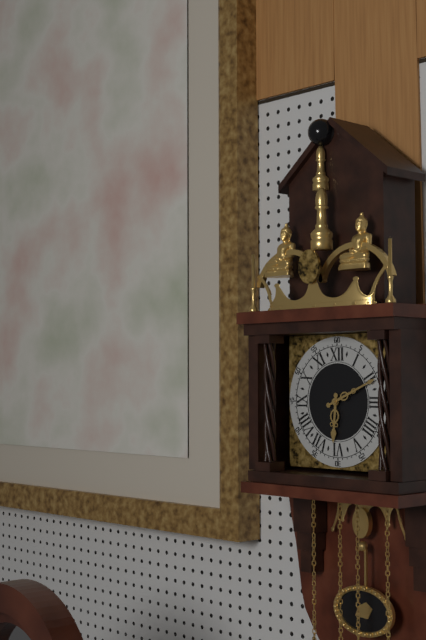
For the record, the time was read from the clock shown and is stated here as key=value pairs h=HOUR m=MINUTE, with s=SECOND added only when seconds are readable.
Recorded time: h=6 m=11
